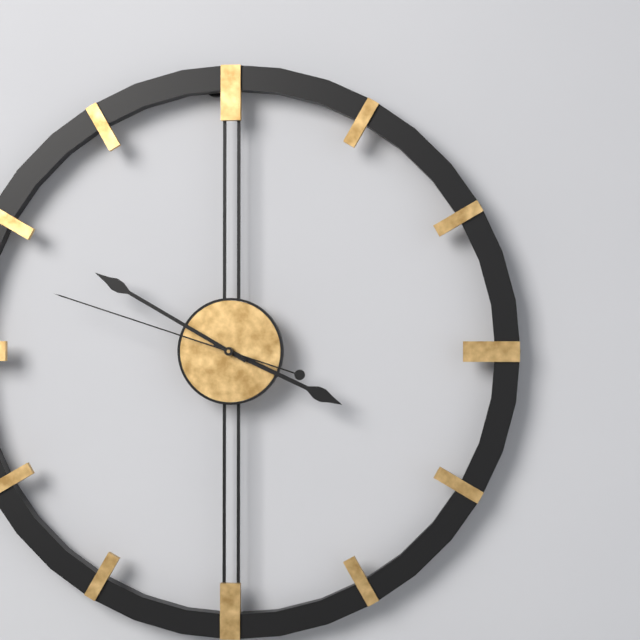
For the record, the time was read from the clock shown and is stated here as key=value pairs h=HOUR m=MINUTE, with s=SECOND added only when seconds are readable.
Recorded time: h=3 m=50 s=48
